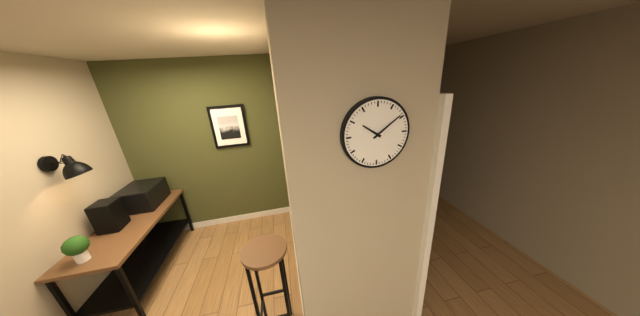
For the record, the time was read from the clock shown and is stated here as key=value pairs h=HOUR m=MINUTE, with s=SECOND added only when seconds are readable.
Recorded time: h=10 m=9
